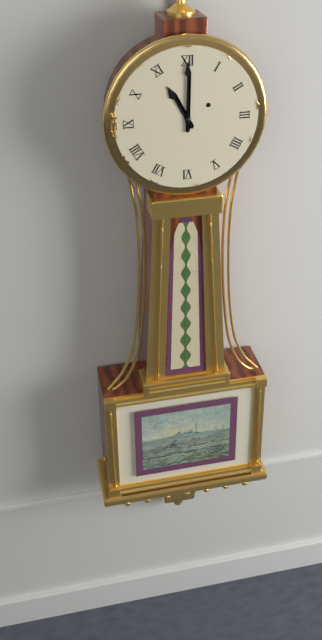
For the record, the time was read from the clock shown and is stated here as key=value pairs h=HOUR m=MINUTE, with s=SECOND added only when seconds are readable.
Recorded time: h=11 m=0
